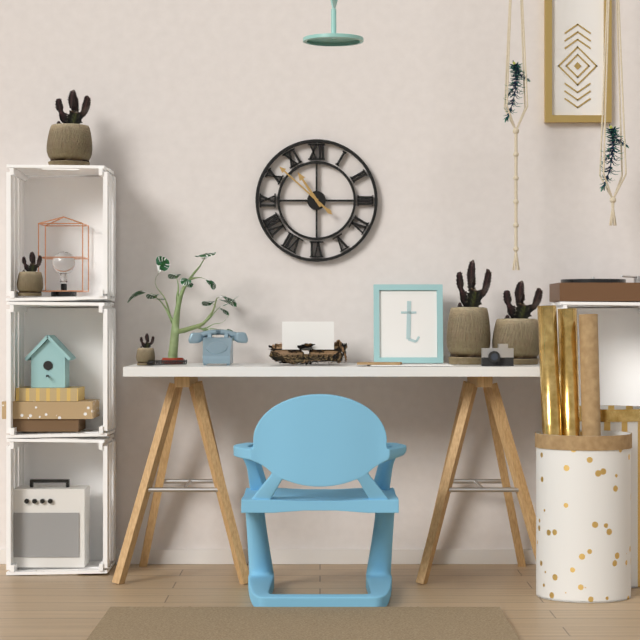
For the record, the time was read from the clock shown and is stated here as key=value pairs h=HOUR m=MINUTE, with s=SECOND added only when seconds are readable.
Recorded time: h=10 m=52
